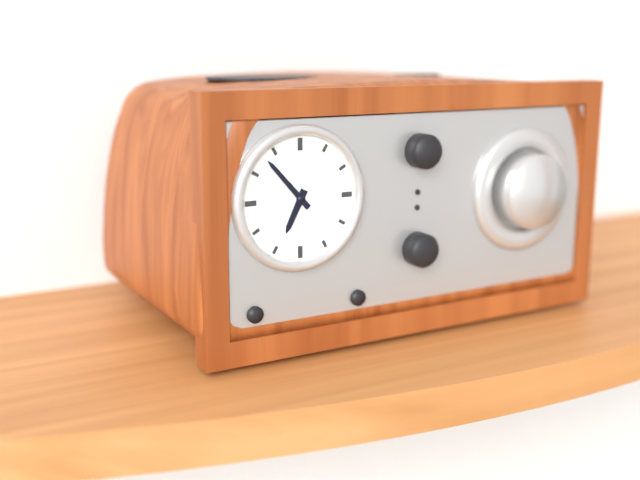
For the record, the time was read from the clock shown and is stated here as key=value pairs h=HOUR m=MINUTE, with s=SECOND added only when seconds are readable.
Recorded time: h=6 m=53
